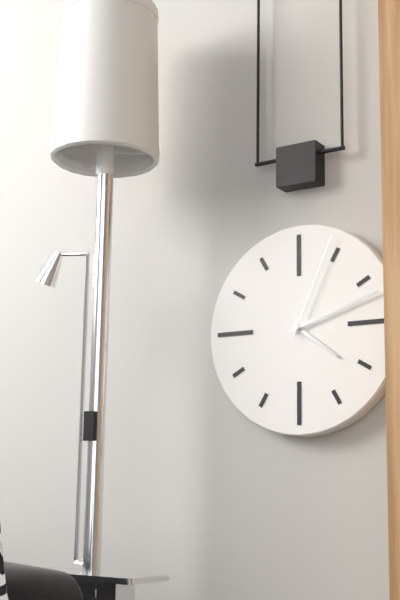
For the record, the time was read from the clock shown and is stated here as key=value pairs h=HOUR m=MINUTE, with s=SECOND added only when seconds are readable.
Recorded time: h=4 m=12 s=4
